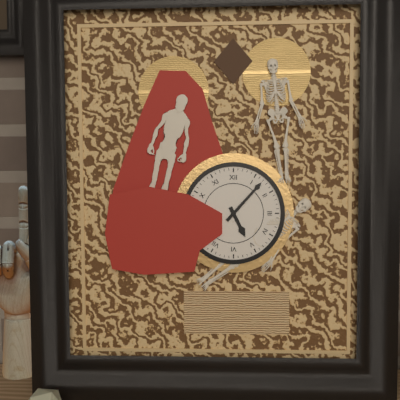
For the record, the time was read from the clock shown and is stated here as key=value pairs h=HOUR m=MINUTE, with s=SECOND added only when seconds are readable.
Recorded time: h=5 m=7
